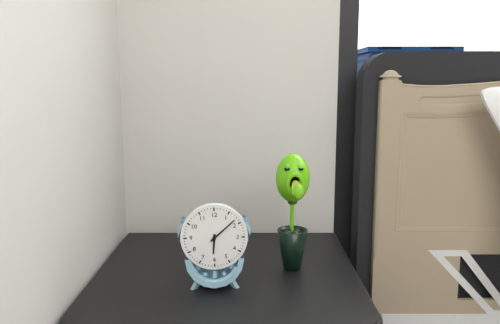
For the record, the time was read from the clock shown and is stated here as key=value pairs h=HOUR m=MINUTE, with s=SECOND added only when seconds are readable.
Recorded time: h=6 m=8
